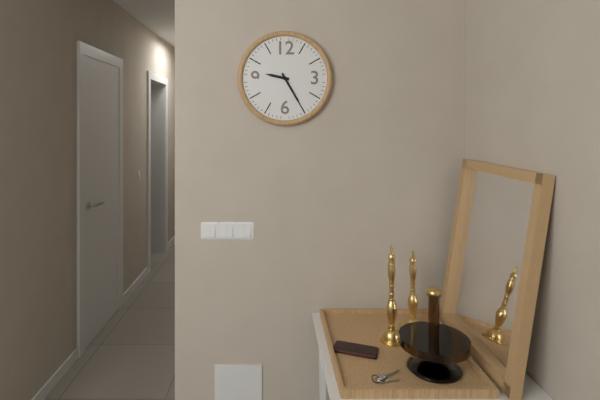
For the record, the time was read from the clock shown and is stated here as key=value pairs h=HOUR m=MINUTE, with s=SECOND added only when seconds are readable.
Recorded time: h=9 m=25
